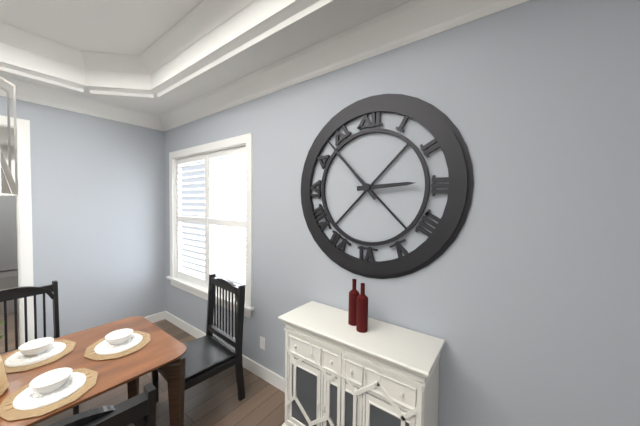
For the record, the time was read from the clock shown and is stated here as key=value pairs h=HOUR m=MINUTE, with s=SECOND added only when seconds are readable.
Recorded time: h=2 m=53
